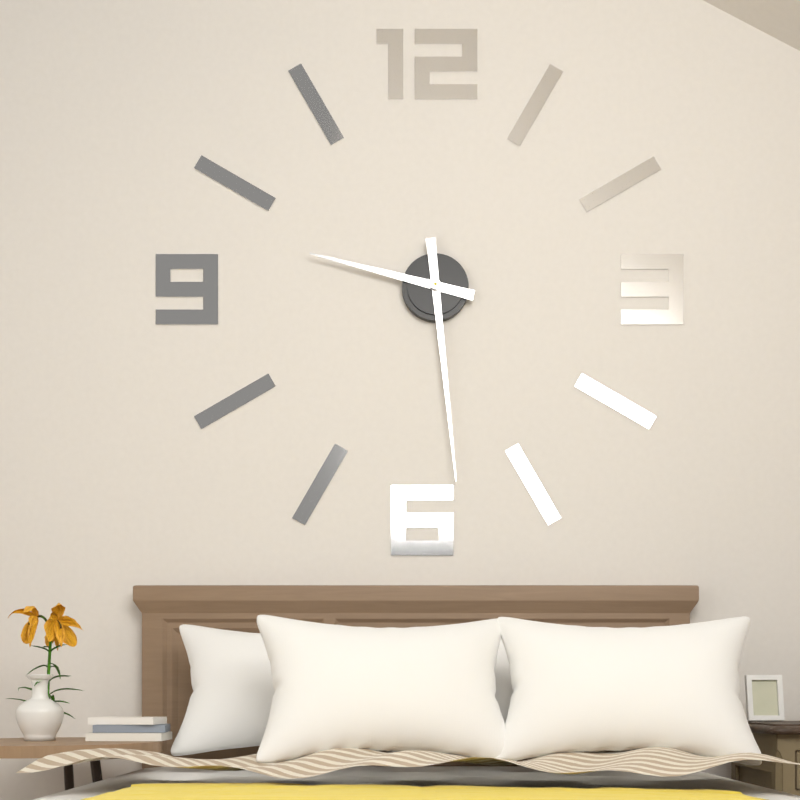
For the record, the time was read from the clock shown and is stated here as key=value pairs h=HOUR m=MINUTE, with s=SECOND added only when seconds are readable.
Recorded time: h=9 m=29
